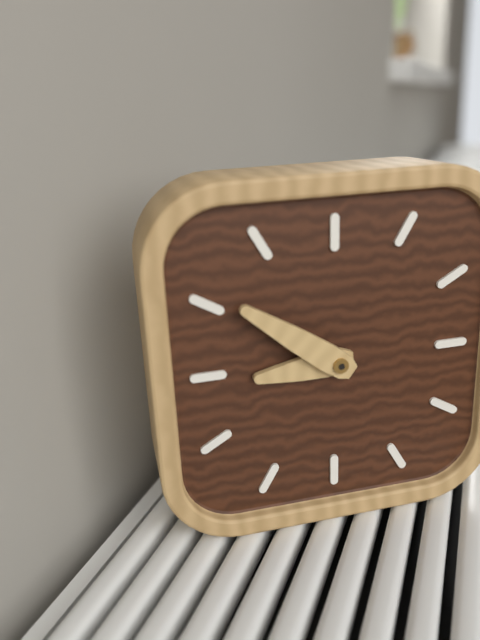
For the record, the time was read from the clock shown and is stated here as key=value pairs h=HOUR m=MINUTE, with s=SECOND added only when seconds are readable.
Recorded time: h=8 m=51
